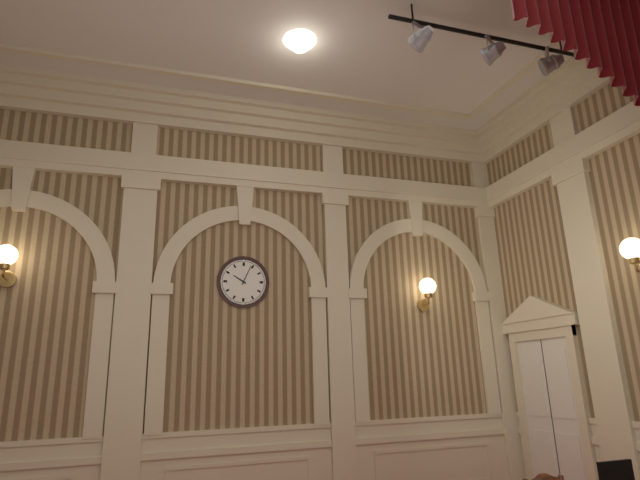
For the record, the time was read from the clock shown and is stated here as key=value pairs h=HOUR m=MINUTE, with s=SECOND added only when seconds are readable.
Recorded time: h=10 m=4
